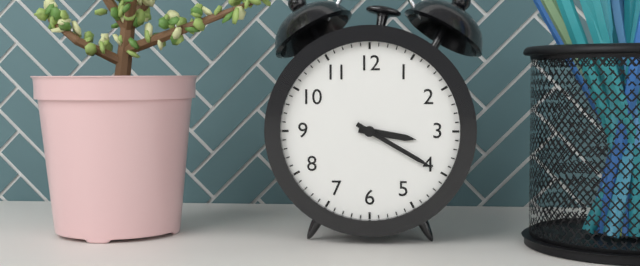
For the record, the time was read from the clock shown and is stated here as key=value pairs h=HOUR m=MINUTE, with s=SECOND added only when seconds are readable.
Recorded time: h=3 m=20
